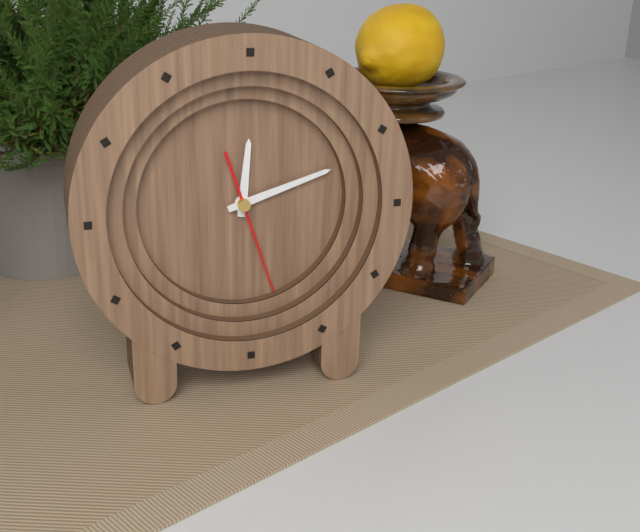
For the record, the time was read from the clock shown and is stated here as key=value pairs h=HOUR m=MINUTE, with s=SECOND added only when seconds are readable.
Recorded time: h=12 m=12 s=27
